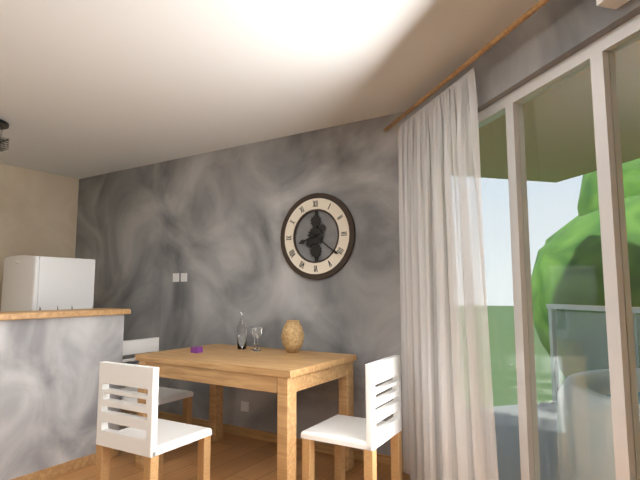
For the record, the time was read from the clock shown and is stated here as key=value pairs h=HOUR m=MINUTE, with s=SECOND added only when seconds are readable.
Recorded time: h=8 m=21
